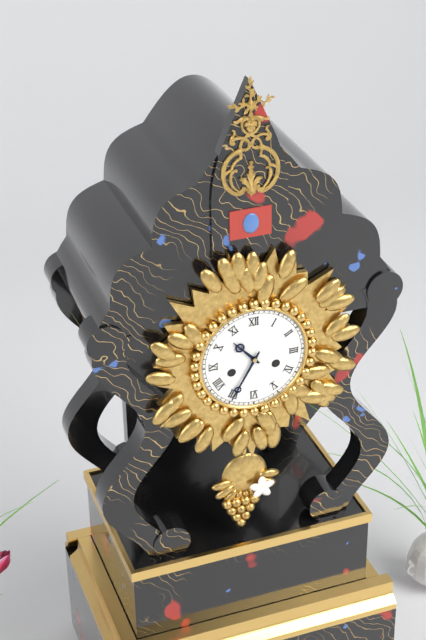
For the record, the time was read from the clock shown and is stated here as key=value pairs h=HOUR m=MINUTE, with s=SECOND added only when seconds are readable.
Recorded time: h=10 m=35
